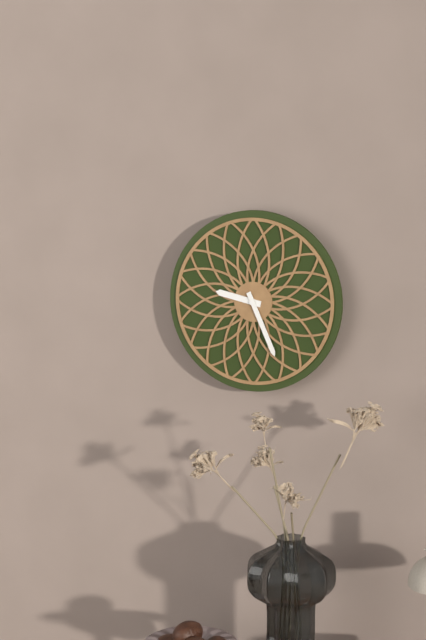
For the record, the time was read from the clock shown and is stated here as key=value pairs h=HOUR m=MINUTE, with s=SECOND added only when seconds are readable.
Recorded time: h=9 m=26
